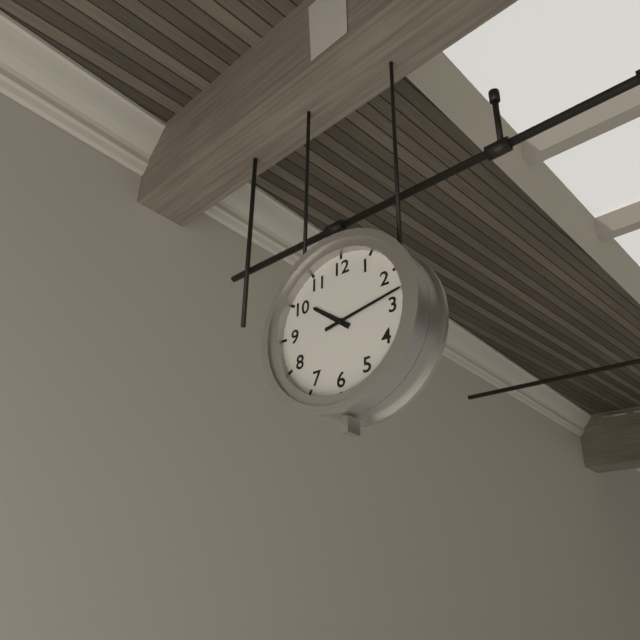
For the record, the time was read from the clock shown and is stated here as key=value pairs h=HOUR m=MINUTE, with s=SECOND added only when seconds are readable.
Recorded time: h=10 m=13
